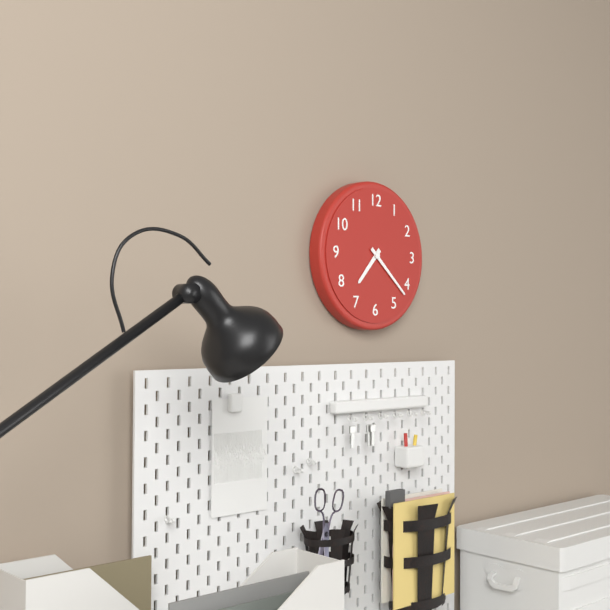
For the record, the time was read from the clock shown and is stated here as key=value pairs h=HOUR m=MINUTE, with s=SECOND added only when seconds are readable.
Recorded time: h=7 m=22
